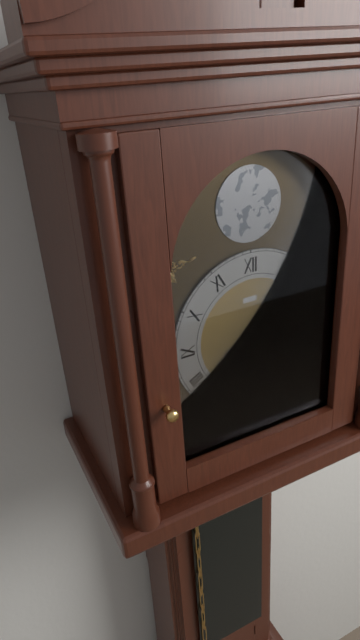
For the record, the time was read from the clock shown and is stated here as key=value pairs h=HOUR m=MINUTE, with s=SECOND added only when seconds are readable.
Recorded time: h=7 m=39
